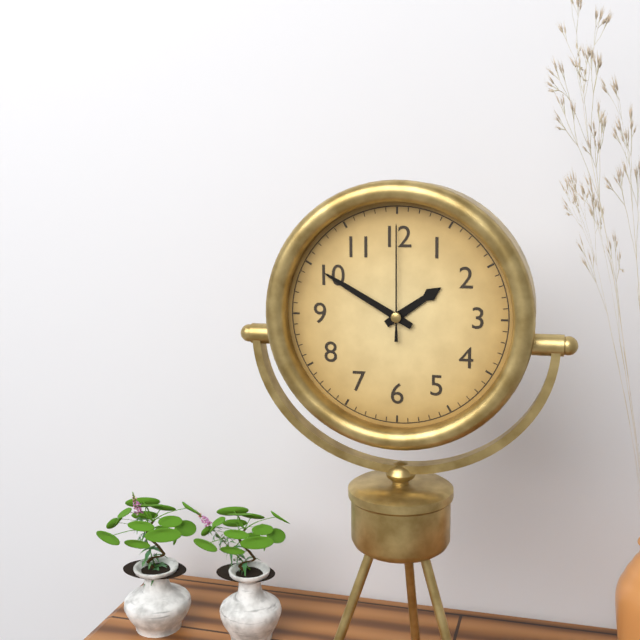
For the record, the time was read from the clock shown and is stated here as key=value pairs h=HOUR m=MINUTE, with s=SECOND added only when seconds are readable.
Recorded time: h=1 m=50 s=0
